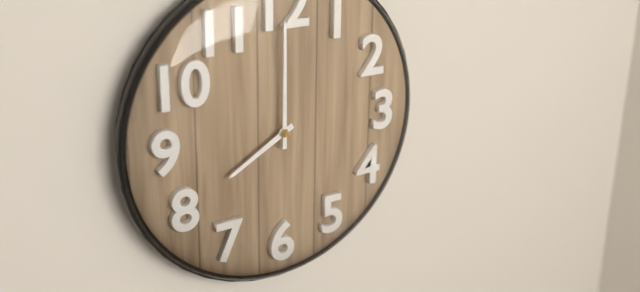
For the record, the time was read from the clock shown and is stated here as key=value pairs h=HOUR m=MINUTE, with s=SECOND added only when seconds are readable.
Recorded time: h=8 m=0
